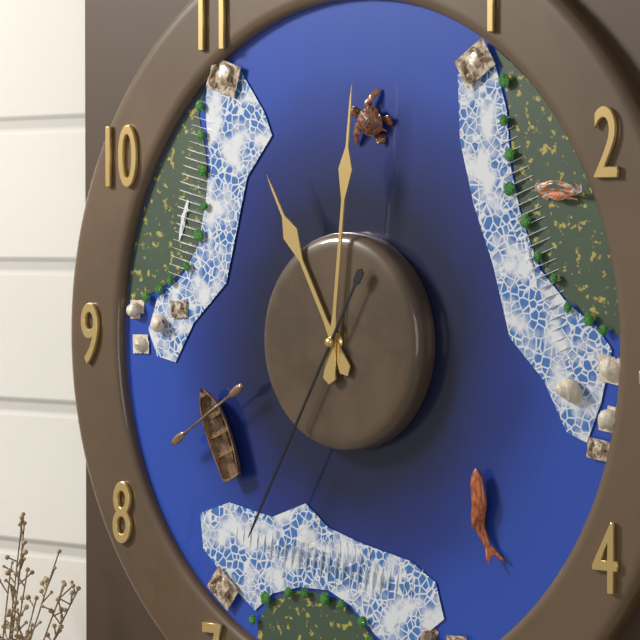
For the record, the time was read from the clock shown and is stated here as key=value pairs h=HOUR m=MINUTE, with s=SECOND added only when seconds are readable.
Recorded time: h=11 m=1 s=35
